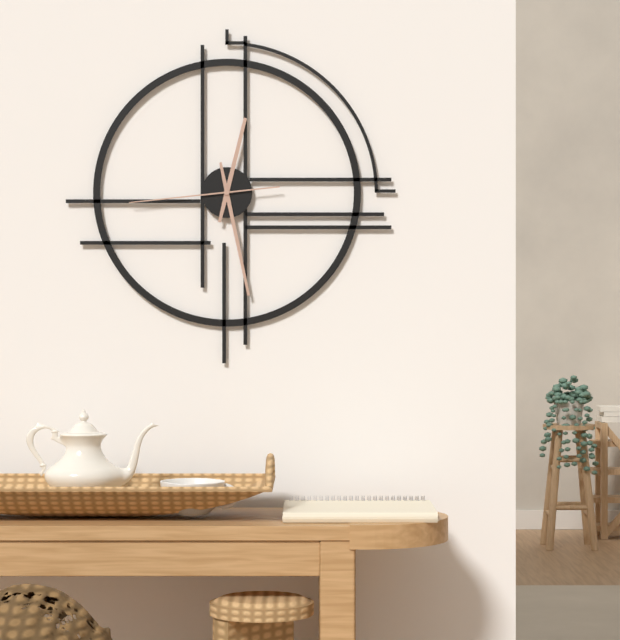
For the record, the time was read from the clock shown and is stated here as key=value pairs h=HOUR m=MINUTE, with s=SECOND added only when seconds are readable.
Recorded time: h=12 m=28 s=44
